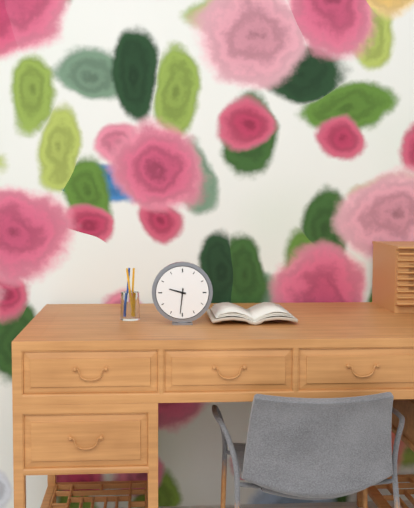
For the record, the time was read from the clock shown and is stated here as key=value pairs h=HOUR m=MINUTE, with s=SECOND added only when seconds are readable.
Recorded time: h=9 m=31
